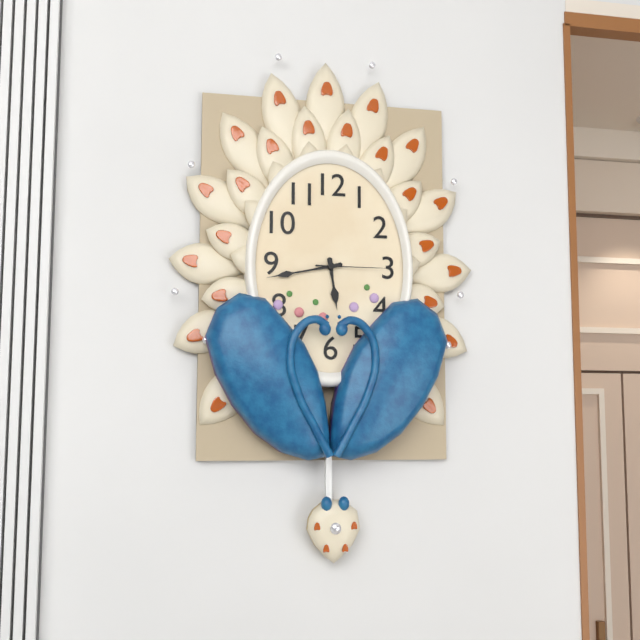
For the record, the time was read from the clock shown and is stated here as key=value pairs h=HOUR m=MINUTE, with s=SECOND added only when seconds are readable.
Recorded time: h=5 m=43 s=15
